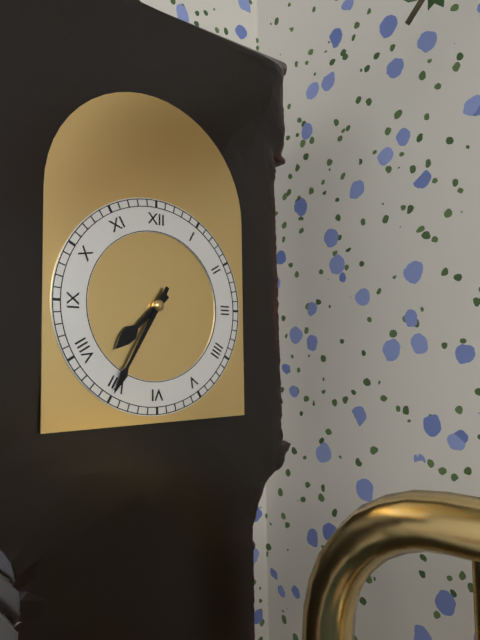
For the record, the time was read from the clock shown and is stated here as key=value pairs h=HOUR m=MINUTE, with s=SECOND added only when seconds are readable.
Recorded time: h=7 m=35
